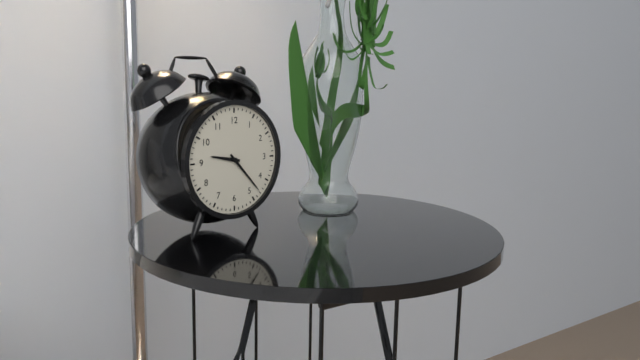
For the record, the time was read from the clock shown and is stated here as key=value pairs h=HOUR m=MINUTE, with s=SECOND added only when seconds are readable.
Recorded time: h=9 m=23
